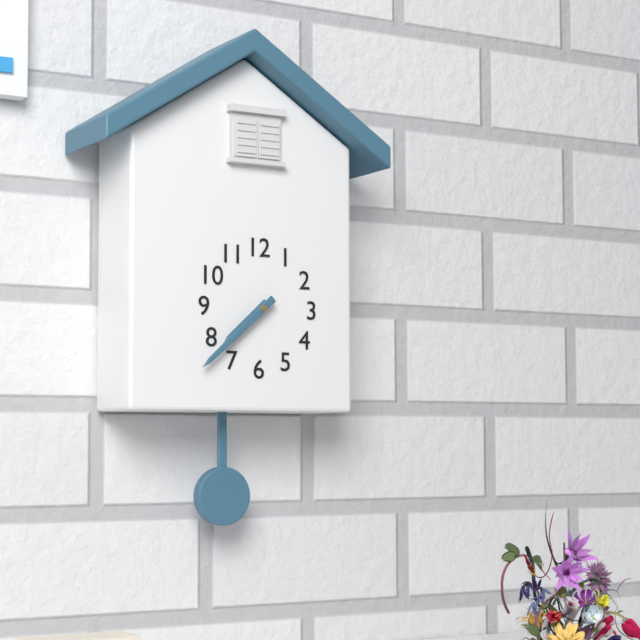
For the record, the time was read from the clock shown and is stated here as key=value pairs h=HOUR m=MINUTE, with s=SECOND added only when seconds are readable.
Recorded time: h=7 m=38
